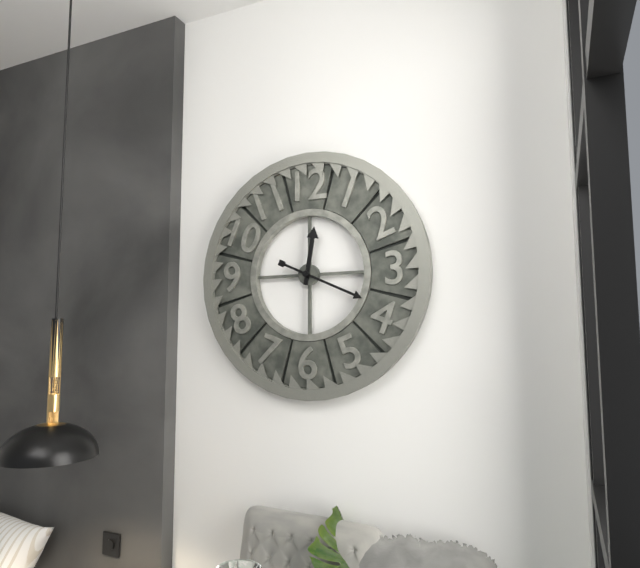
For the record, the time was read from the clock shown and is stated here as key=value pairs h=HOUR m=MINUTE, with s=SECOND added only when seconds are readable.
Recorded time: h=12 m=19
